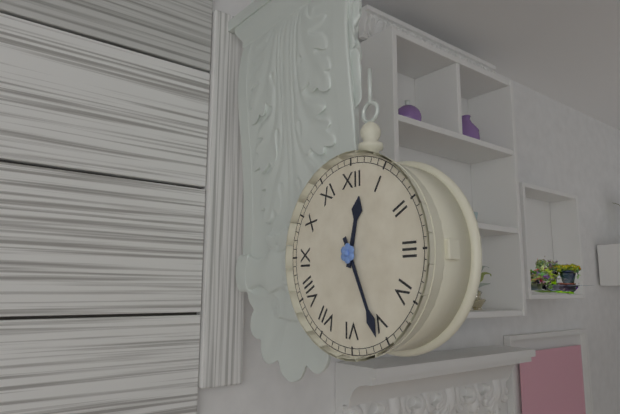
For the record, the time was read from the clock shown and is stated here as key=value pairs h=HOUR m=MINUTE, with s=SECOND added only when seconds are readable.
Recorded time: h=12 m=26
